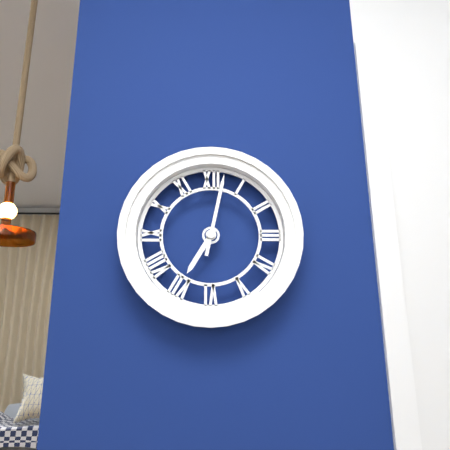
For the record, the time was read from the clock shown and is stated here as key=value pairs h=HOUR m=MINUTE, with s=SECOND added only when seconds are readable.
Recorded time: h=7 m=2
